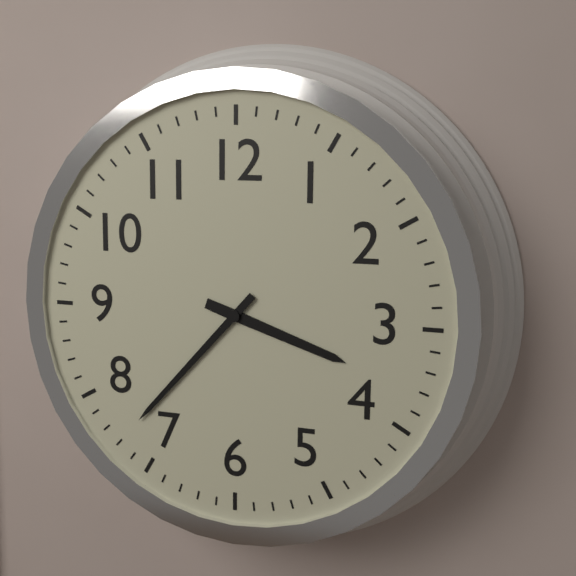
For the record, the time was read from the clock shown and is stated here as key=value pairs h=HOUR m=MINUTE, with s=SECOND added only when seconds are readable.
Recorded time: h=3 m=37
